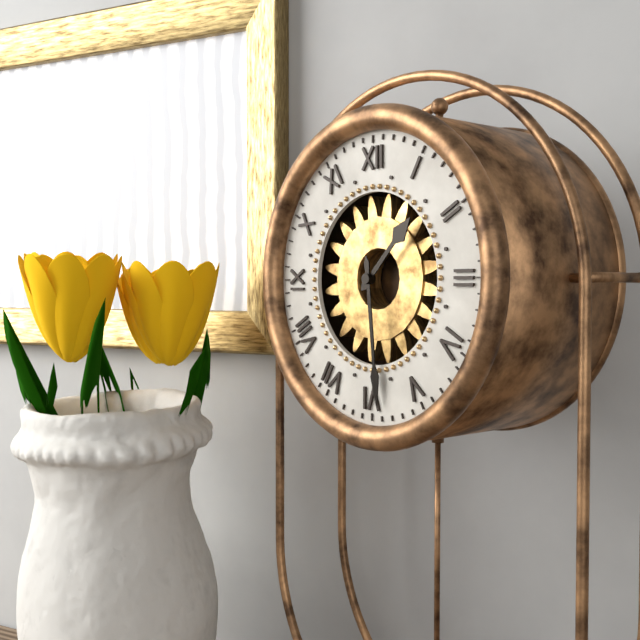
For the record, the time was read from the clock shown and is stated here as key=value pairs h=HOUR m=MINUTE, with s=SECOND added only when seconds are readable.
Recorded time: h=1 m=29
